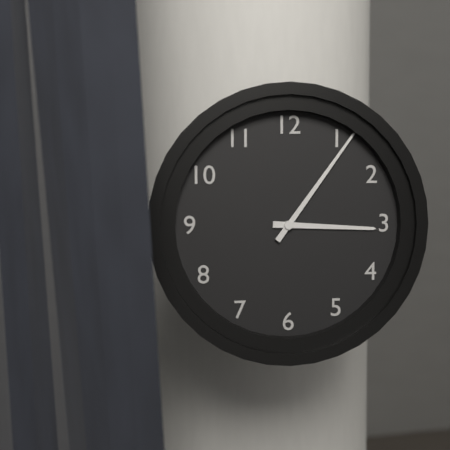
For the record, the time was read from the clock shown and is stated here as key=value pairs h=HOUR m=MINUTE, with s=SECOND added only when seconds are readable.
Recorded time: h=3 m=6
